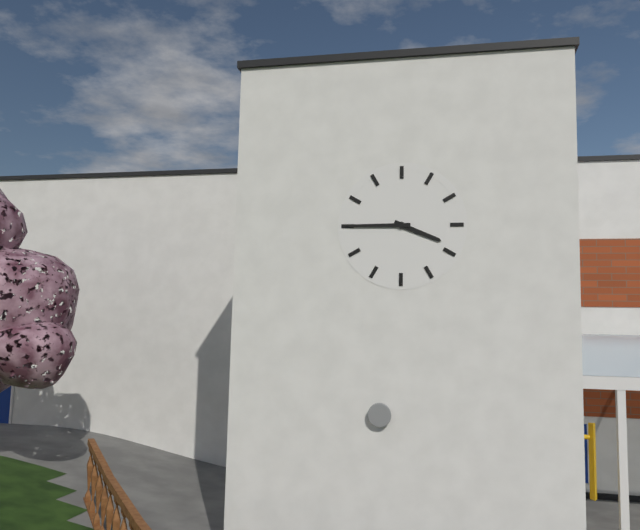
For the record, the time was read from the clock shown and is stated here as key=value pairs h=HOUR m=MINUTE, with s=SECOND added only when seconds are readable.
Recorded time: h=3 m=45
